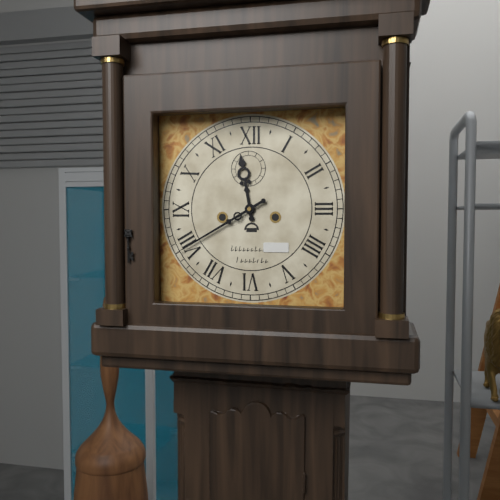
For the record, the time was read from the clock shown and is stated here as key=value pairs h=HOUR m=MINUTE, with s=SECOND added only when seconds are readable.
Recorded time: h=11 m=40
